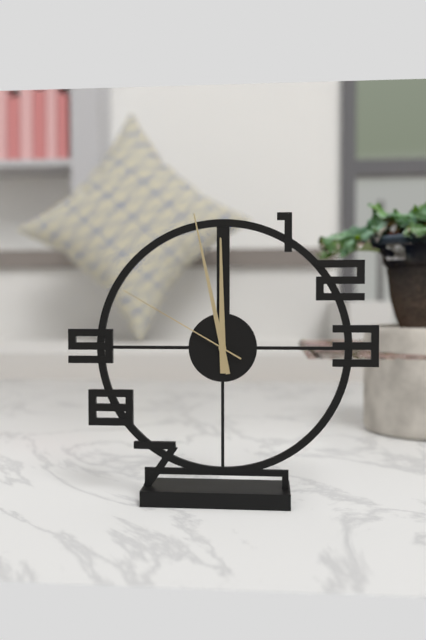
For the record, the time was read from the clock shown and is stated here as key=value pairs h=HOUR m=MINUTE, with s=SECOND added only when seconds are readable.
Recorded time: h=11 m=58 s=50
